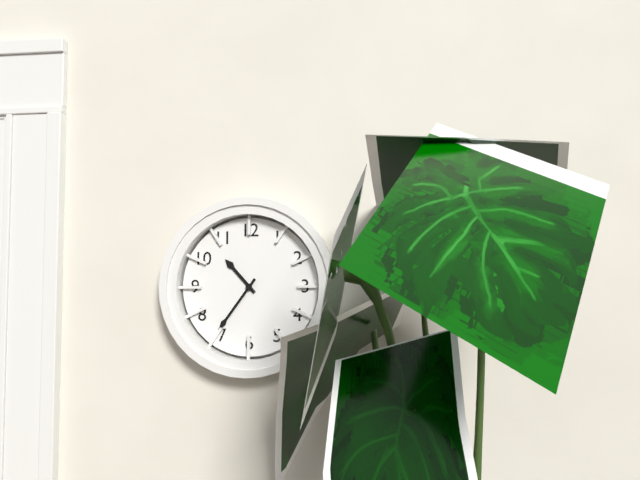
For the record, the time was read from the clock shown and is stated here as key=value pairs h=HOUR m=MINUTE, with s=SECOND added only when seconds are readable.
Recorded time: h=10 m=36
